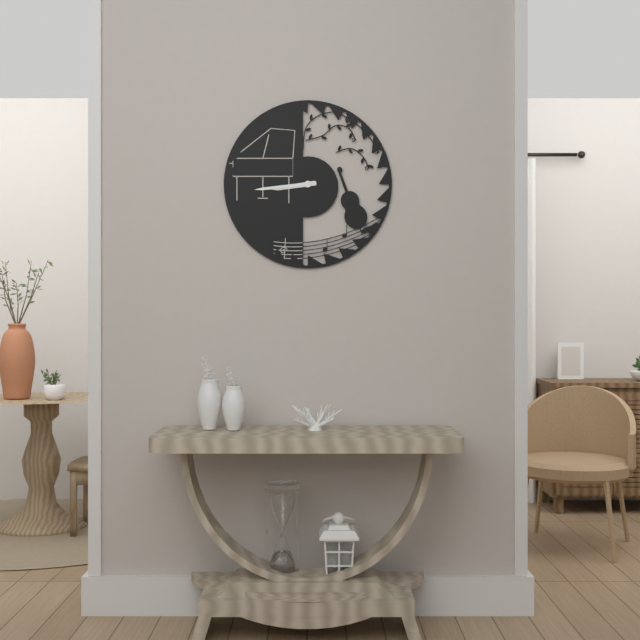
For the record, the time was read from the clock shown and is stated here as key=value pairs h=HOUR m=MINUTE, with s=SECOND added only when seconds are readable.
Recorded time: h=8 m=44
